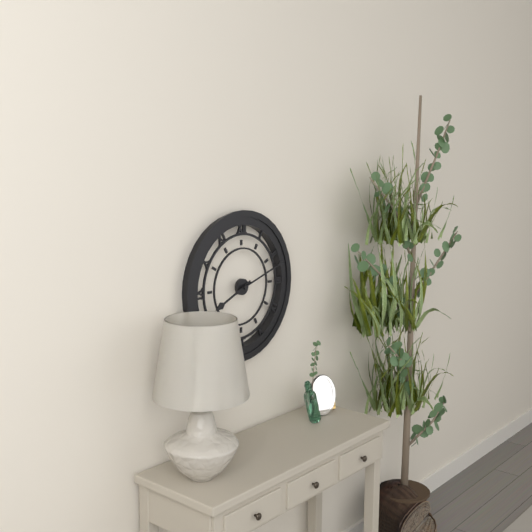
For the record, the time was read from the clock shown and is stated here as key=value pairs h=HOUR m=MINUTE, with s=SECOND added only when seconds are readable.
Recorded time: h=8 m=12
